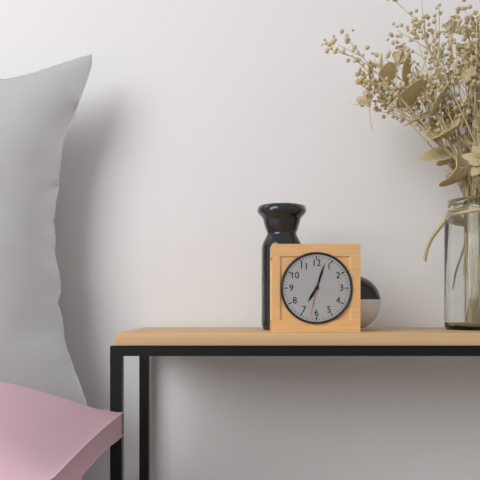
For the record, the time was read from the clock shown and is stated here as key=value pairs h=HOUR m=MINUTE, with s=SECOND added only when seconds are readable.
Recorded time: h=7 m=3
